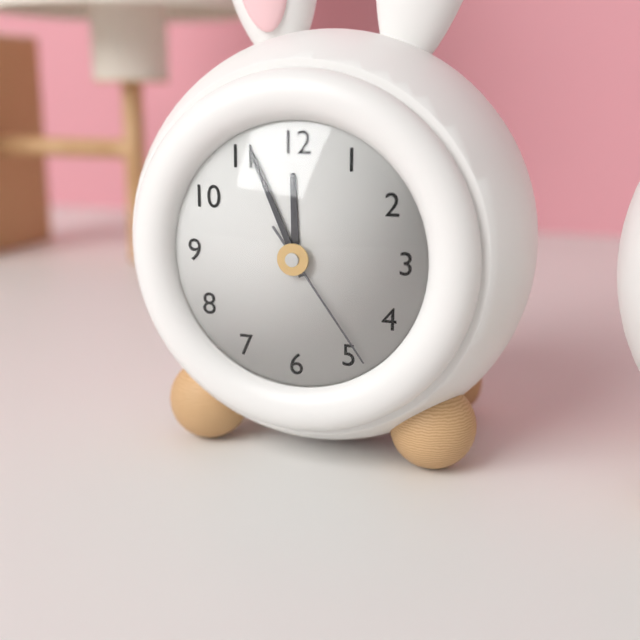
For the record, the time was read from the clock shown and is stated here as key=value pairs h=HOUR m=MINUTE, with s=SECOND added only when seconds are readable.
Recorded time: h=11 m=56 s=24
